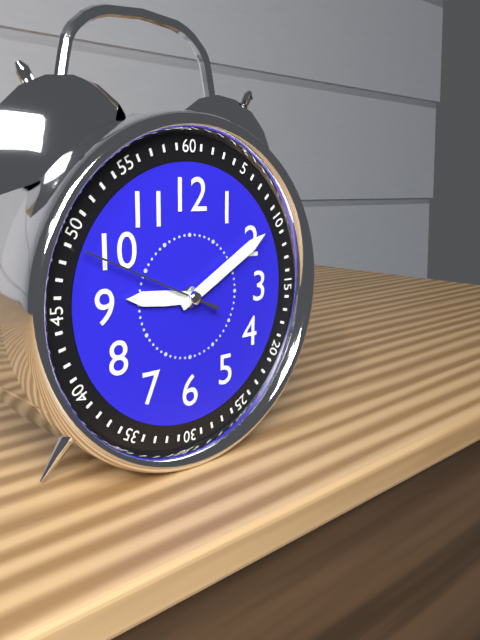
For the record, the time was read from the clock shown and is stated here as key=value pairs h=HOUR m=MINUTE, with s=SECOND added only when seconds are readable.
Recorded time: h=9 m=10 s=49
